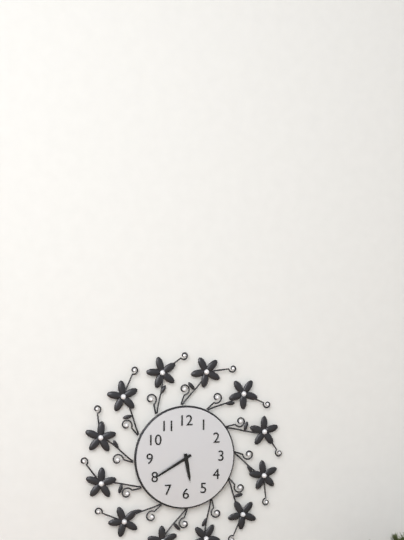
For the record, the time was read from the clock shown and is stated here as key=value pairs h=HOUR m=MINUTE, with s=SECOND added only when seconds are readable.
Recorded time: h=5 m=40
